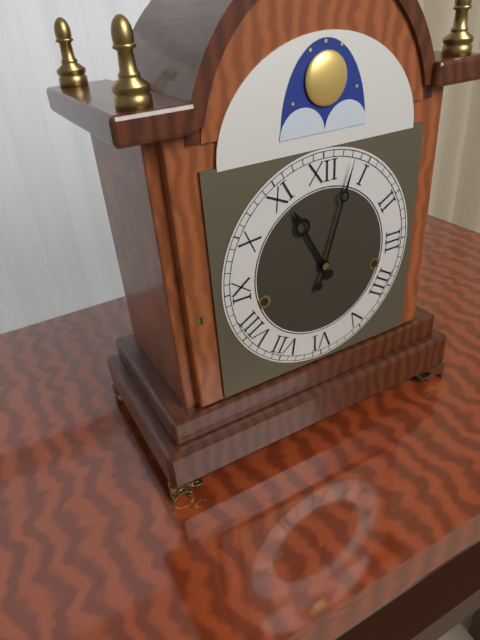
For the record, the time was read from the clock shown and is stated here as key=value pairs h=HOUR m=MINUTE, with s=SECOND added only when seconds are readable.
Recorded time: h=11 m=3
